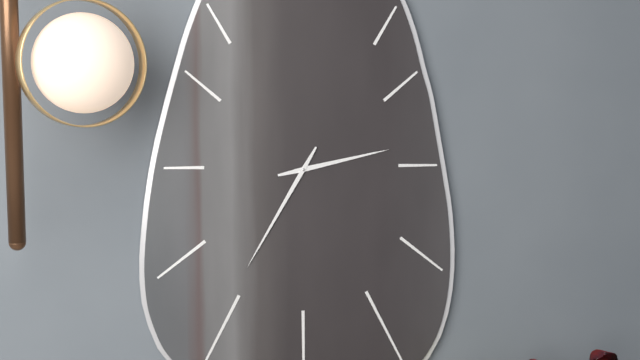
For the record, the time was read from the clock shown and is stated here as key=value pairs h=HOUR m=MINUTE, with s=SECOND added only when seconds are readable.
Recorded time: h=2 m=35
